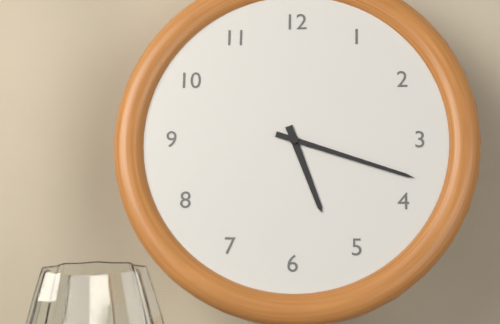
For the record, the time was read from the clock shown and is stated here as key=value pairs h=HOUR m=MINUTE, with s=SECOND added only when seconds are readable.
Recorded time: h=5 m=18
